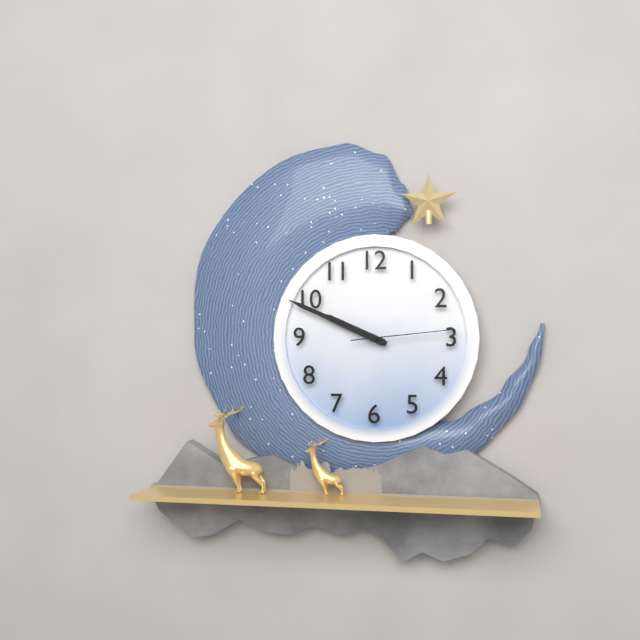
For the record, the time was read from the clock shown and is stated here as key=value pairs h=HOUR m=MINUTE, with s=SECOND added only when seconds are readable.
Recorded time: h=9 m=49 s=14
